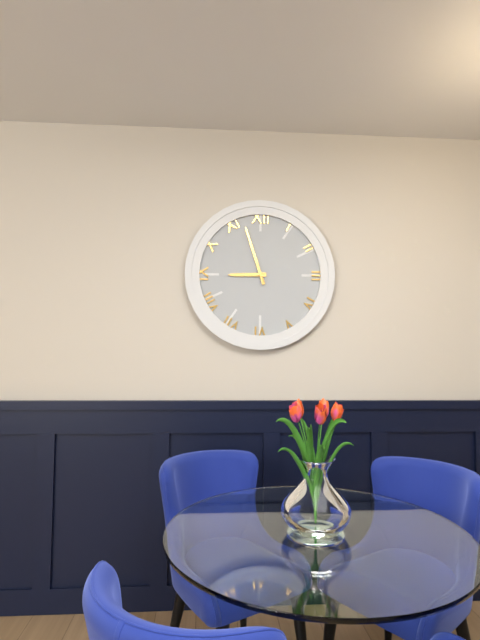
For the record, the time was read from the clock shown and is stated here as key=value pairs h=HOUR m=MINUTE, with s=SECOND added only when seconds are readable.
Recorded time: h=8 m=57
